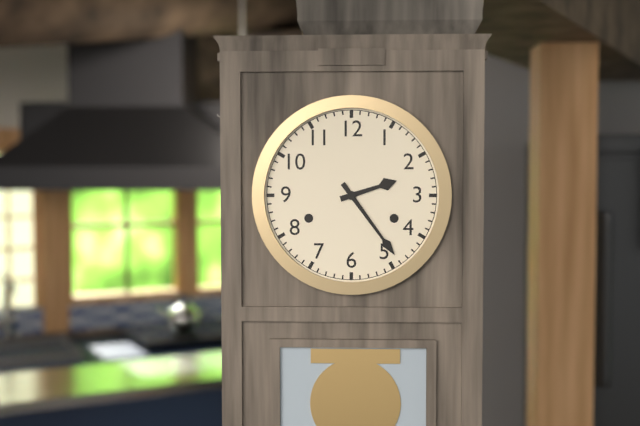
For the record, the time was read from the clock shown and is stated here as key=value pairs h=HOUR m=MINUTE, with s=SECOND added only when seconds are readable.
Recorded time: h=2 m=24
